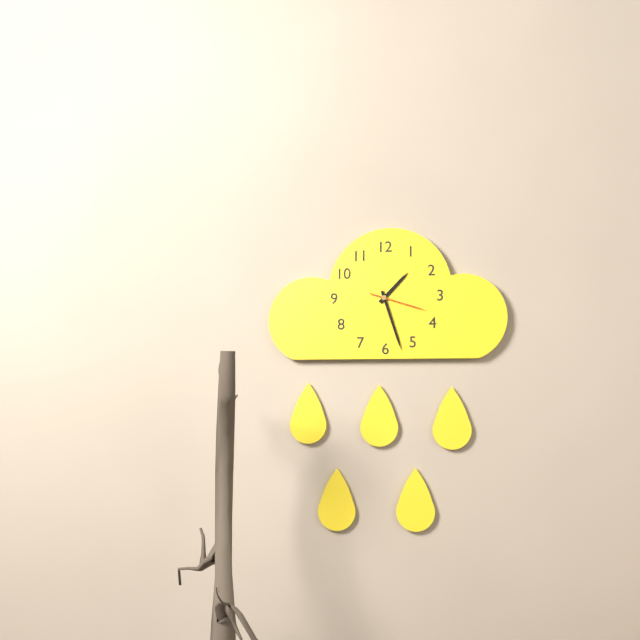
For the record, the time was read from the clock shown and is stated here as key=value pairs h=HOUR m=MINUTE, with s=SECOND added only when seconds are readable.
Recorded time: h=1 m=27 s=18
